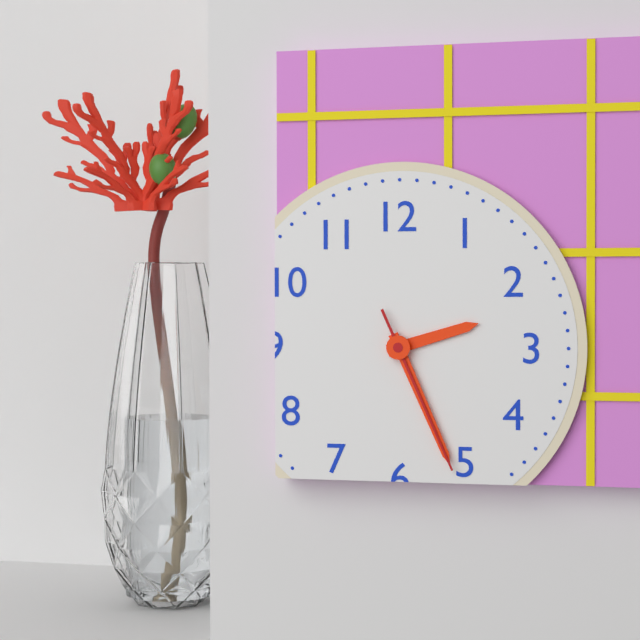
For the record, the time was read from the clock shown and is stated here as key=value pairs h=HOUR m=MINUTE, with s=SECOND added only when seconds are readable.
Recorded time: h=2 m=26 s=26
